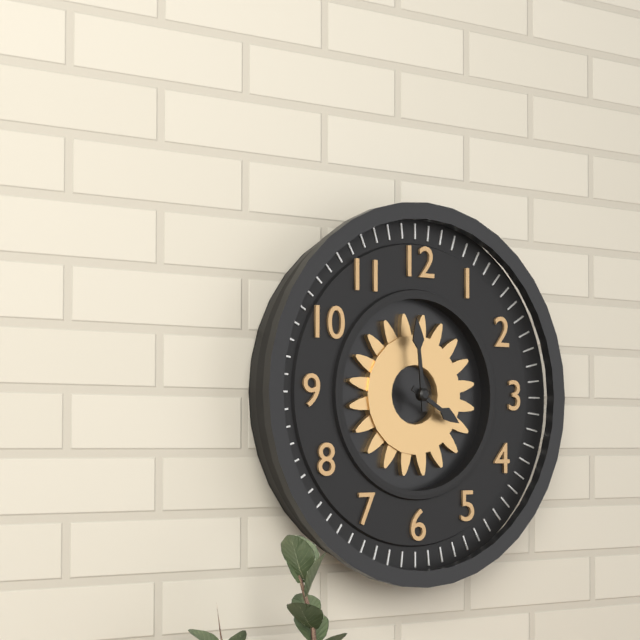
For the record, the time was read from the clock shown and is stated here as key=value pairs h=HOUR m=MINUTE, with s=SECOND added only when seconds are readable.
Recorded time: h=3 m=59
